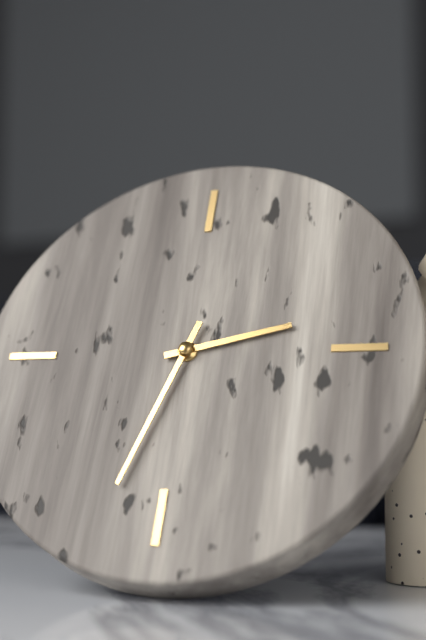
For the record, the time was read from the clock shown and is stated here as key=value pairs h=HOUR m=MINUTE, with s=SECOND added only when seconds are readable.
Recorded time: h=2 m=33
